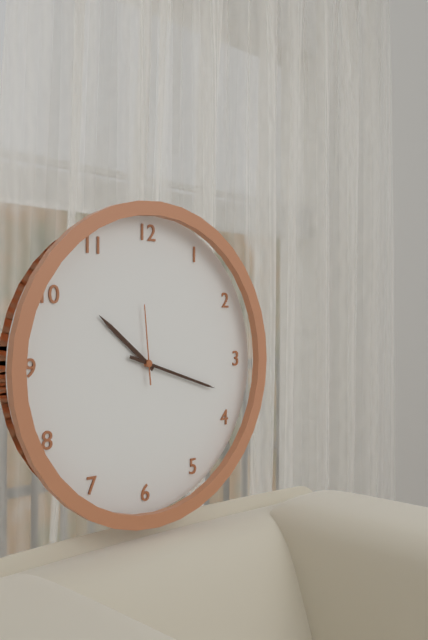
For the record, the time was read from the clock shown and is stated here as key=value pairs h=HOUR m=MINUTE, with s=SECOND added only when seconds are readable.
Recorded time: h=10 m=18 s=59
